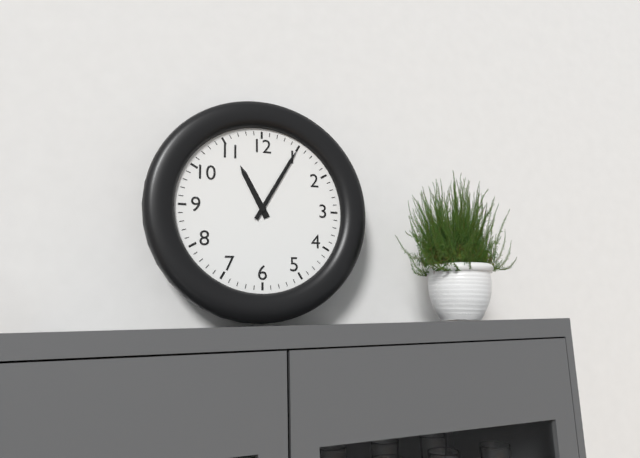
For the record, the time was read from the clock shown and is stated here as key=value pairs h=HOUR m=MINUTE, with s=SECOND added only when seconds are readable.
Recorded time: h=11 m=5
